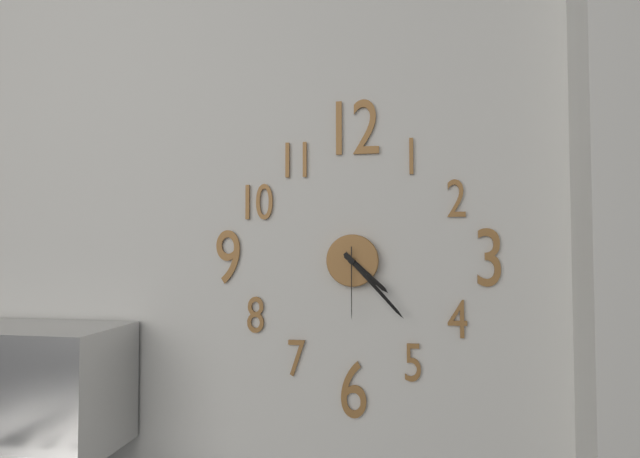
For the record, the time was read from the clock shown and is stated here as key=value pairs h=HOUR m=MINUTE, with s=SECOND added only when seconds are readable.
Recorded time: h=4 m=23 s=30
